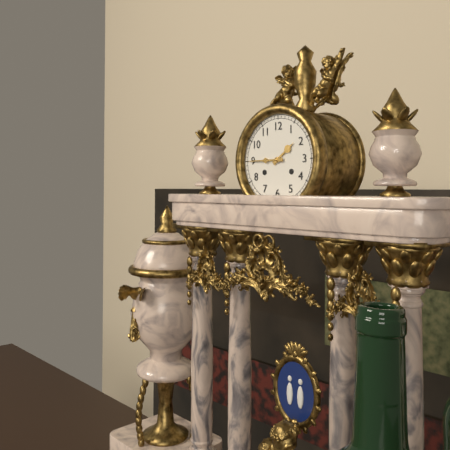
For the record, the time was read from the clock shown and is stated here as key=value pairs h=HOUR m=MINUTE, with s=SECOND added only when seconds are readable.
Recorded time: h=1 m=45
